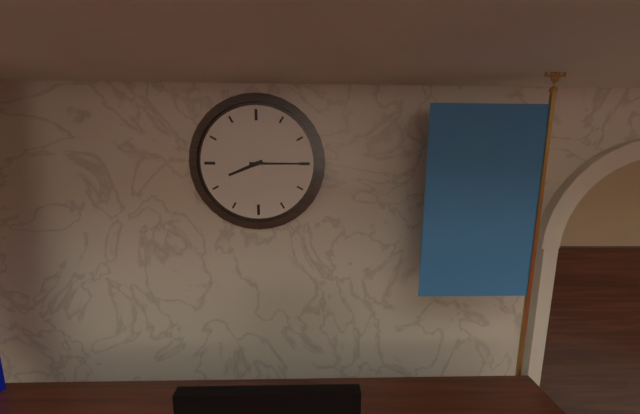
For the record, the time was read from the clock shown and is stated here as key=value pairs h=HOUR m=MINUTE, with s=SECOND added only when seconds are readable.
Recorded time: h=8 m=15
